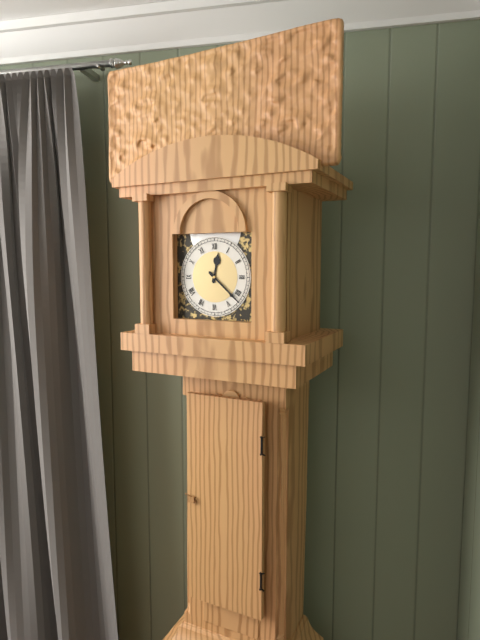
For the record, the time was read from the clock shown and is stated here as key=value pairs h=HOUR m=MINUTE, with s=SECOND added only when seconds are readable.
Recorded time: h=12 m=22
